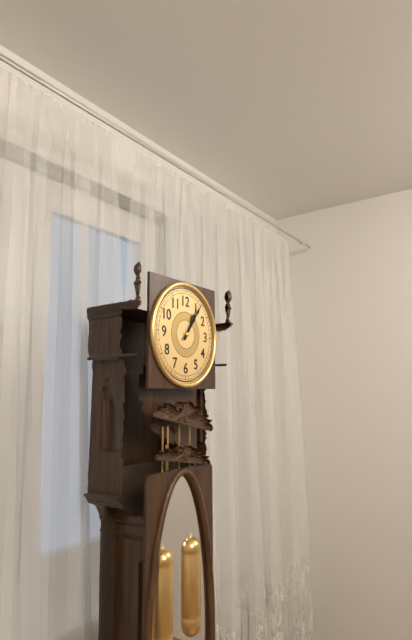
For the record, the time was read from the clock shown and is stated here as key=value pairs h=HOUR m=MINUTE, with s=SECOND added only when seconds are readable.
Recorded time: h=1 m=6
